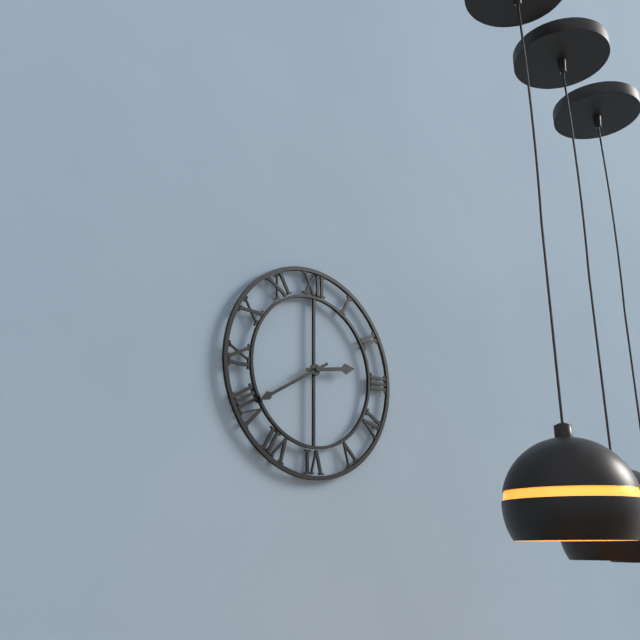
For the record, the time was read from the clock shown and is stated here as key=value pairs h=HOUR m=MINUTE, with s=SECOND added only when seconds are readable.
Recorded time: h=2 m=40
